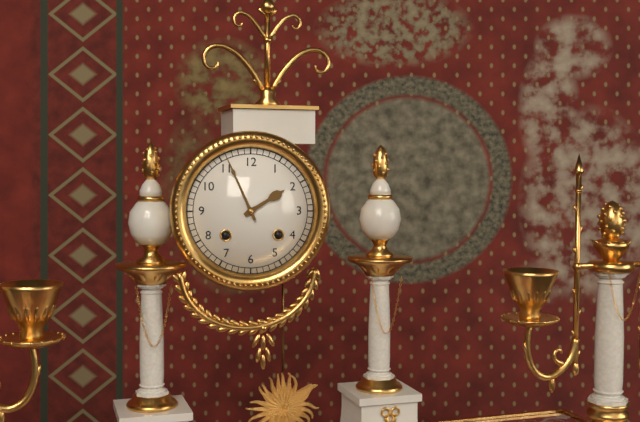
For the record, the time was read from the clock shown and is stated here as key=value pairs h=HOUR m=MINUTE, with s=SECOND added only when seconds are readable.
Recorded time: h=1 m=56
